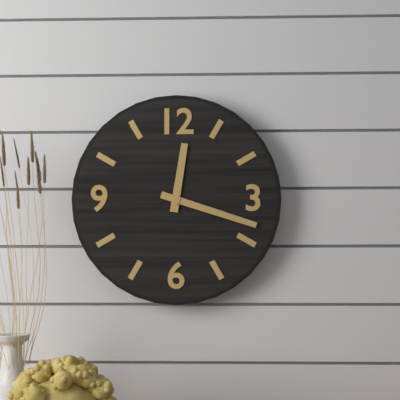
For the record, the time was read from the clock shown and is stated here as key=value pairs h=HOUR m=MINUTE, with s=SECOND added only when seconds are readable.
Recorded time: h=12 m=18
